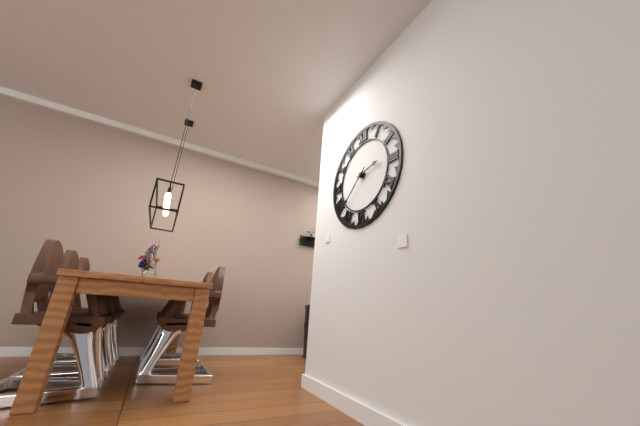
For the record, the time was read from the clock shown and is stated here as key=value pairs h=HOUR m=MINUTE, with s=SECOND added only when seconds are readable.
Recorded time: h=2 m=38
